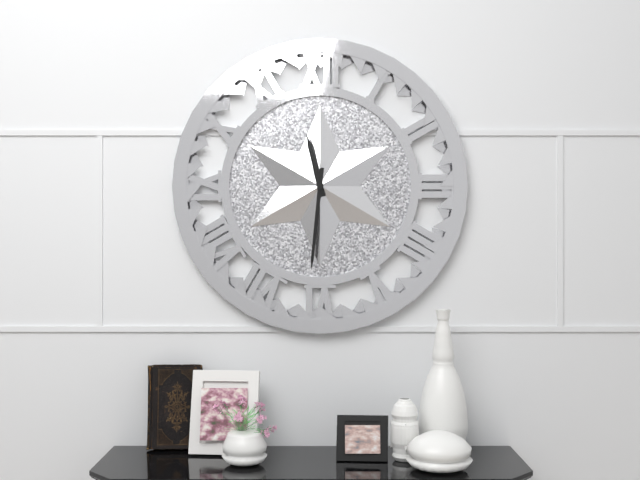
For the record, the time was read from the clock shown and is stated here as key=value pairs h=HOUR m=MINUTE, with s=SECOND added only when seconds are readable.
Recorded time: h=11 m=31
